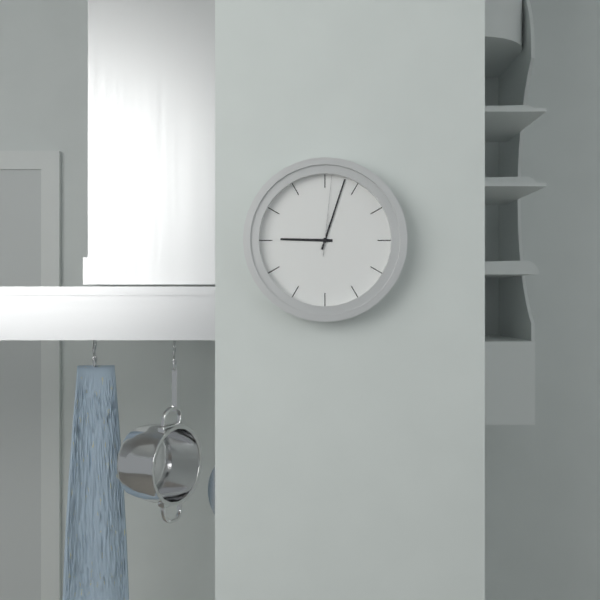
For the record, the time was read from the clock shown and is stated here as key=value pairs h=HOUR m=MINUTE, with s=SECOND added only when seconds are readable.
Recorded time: h=9 m=3 s=1
